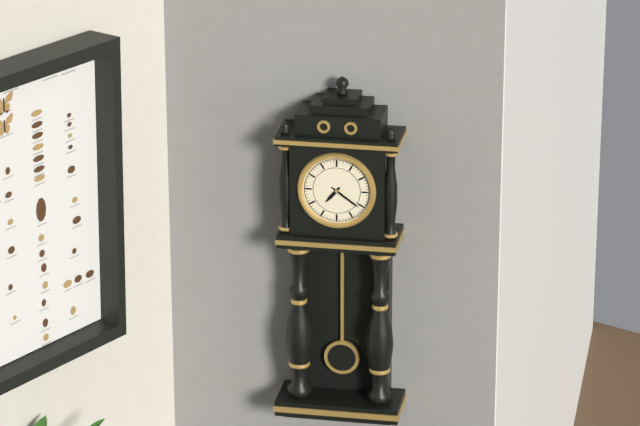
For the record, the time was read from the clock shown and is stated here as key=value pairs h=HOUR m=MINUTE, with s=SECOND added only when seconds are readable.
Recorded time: h=7 m=21
